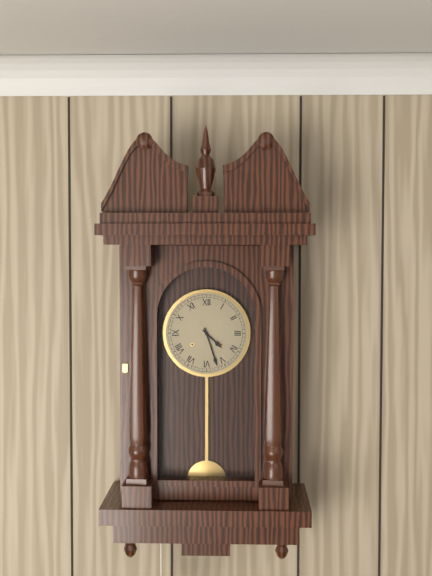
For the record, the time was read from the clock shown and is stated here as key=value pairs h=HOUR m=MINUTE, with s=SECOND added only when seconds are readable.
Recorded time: h=4 m=27
